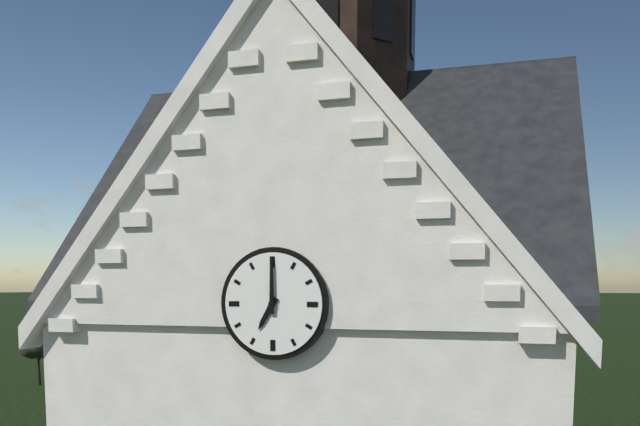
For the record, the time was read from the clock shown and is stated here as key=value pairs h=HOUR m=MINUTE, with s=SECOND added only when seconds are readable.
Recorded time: h=7 m=0
